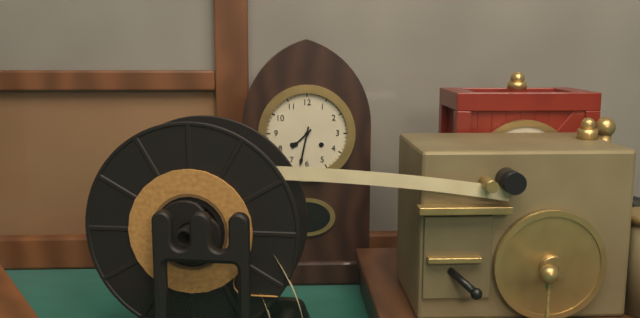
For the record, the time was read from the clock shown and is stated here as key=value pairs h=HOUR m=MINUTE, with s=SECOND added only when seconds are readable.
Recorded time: h=7 m=32
